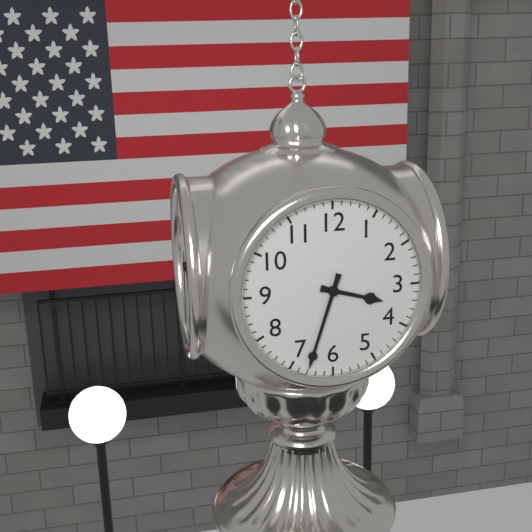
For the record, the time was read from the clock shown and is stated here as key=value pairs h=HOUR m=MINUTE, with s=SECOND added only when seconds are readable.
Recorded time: h=3 m=33
